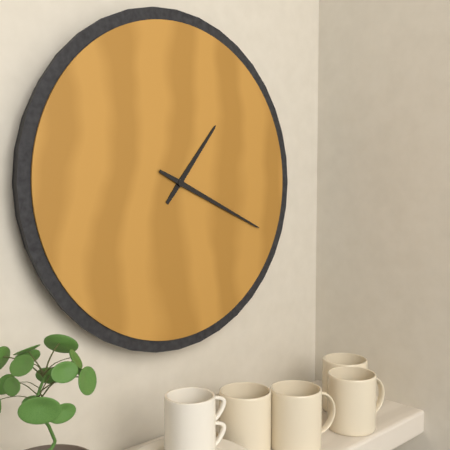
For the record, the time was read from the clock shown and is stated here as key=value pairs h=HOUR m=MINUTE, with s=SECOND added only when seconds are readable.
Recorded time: h=1 m=19
